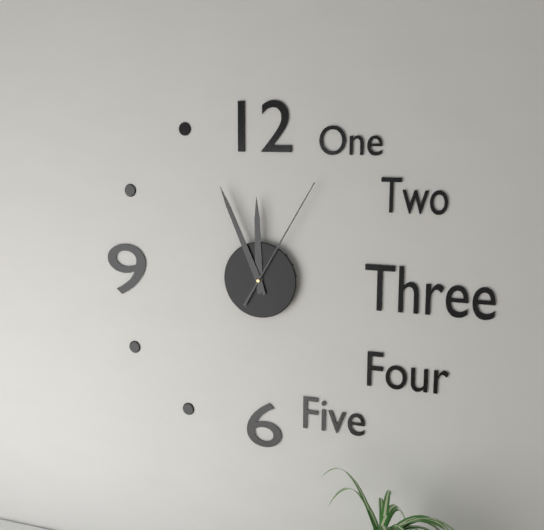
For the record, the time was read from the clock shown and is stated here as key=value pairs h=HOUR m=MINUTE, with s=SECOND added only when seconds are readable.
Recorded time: h=11 m=56 s=5
